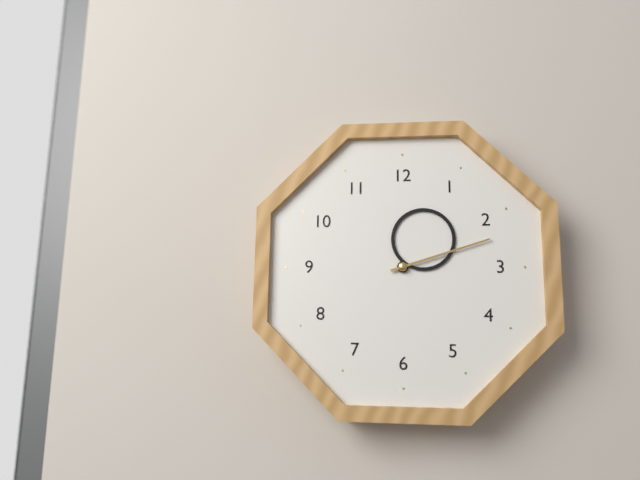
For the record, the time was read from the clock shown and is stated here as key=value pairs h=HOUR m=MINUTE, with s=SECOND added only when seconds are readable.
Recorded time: h=1 m=12
